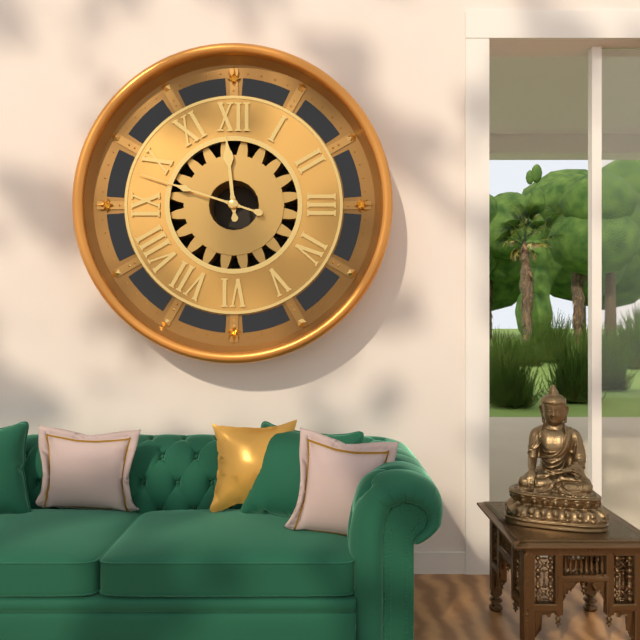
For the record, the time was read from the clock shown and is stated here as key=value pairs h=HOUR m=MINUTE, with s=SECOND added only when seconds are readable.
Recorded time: h=11 m=48
